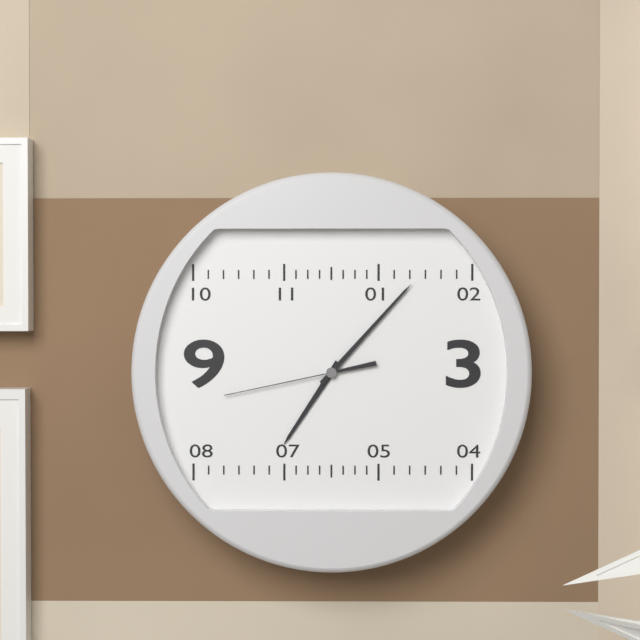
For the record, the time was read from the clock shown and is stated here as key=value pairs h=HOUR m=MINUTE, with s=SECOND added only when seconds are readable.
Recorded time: h=7 m=7 s=43
